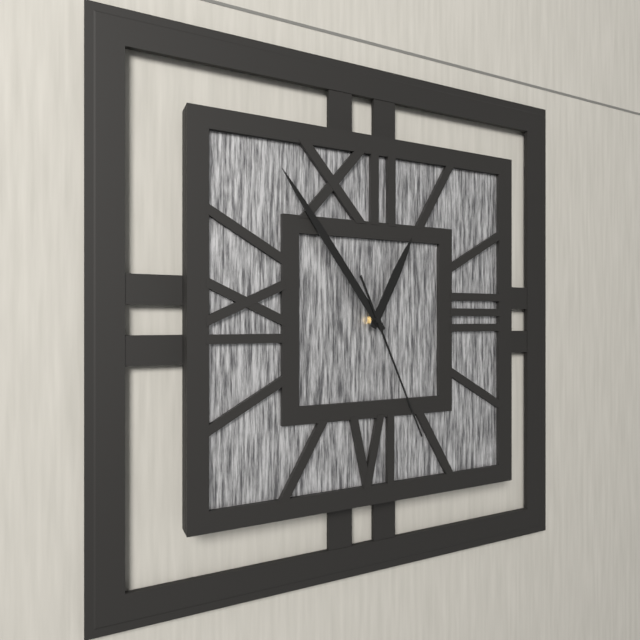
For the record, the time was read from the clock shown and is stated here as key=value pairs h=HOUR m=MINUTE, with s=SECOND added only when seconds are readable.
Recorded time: h=12 m=54 s=26
